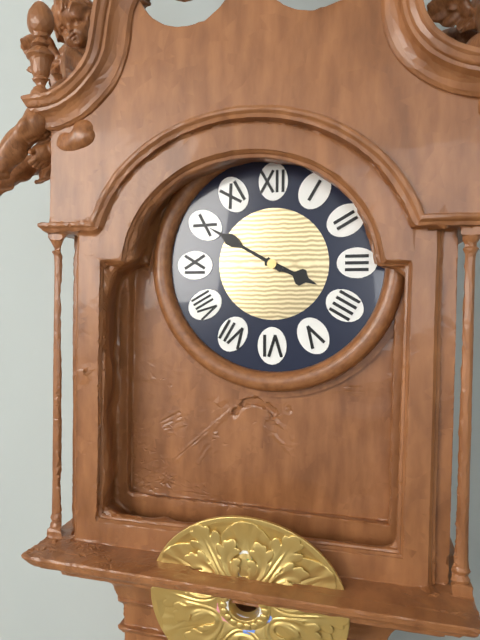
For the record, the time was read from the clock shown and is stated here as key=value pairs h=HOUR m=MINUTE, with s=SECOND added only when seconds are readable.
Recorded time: h=3 m=50
